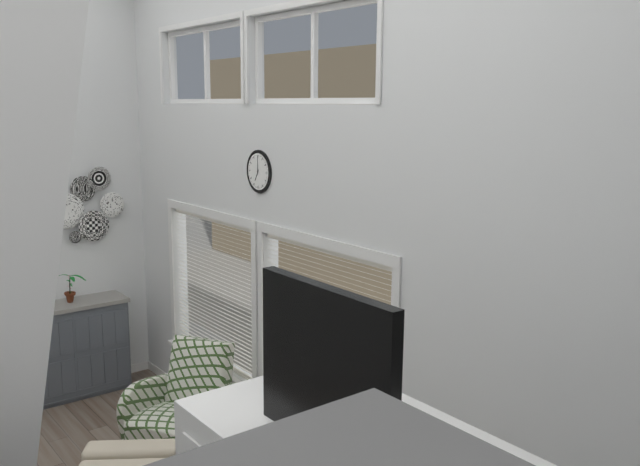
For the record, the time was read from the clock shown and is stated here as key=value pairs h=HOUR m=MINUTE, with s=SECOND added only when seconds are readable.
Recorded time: h=7 m=0
